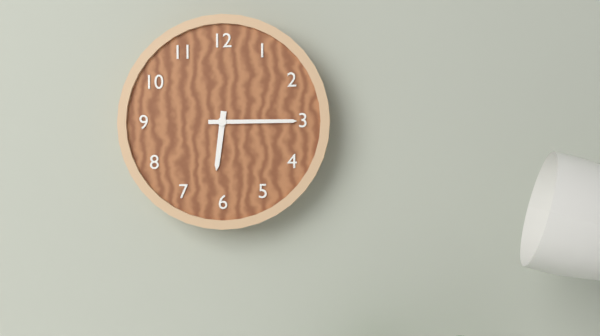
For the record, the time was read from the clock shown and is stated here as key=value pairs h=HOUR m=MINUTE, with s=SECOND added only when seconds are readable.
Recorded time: h=6 m=15
